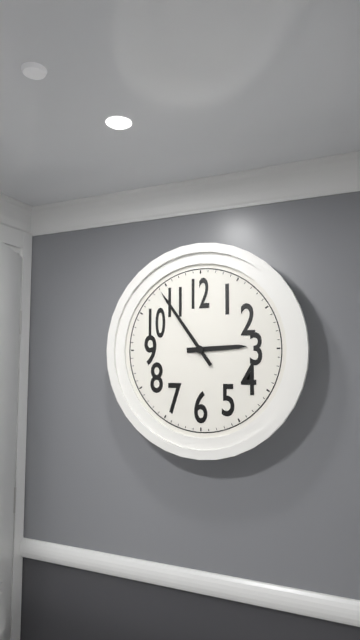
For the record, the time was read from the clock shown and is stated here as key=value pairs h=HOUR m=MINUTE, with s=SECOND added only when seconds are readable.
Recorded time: h=2 m=54
